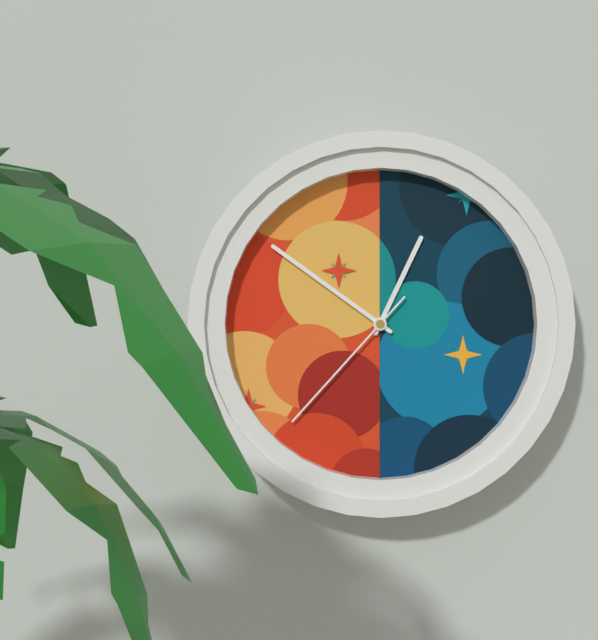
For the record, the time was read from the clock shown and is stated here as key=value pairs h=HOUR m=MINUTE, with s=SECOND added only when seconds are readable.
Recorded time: h=12 m=51 s=37
